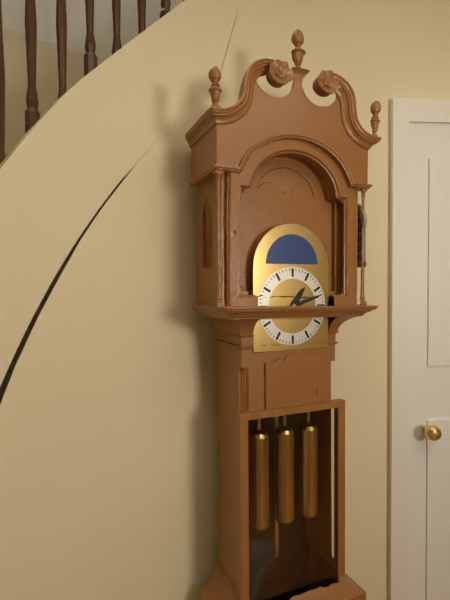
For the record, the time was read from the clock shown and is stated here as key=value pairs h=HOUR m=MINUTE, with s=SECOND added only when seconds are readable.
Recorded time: h=1 m=12
